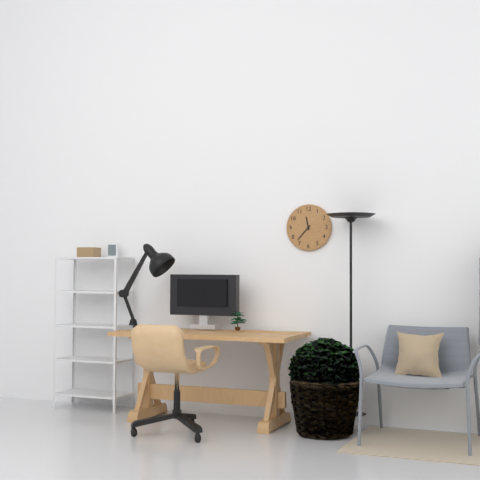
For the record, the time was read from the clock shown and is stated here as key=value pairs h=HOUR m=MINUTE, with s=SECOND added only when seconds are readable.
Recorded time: h=11 m=37
